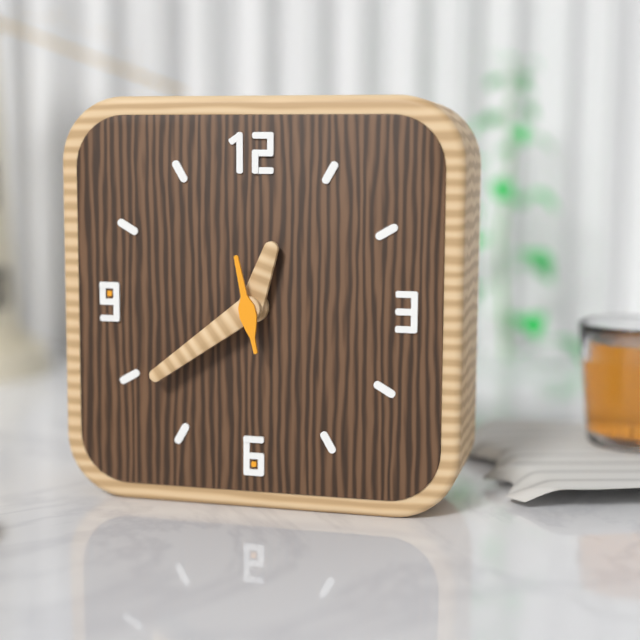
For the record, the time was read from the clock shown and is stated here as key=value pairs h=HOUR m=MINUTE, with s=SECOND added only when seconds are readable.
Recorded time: h=12 m=39 s=58
